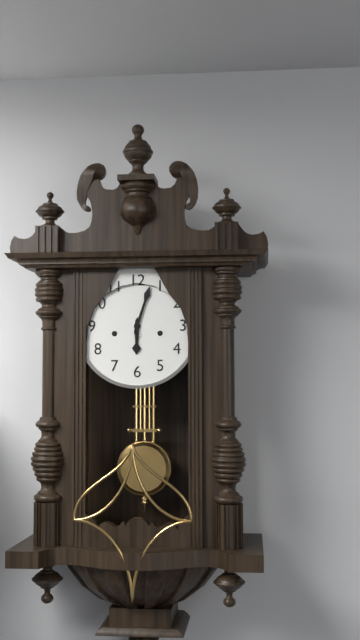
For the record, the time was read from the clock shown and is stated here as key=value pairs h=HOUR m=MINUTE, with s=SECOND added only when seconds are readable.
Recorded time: h=6 m=3
